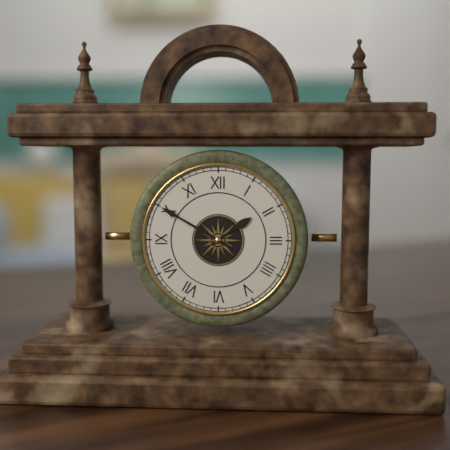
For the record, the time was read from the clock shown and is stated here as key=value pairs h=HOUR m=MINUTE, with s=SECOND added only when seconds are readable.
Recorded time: h=1 m=50
